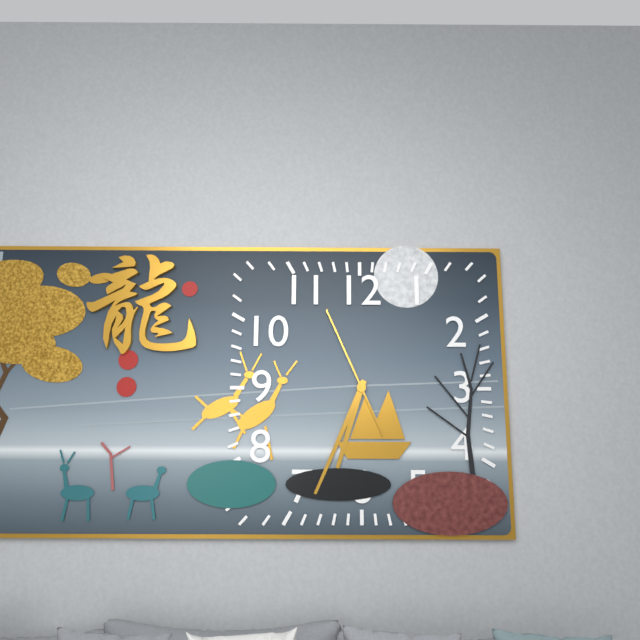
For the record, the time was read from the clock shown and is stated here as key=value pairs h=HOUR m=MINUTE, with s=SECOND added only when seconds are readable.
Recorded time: h=6 m=34 s=56
